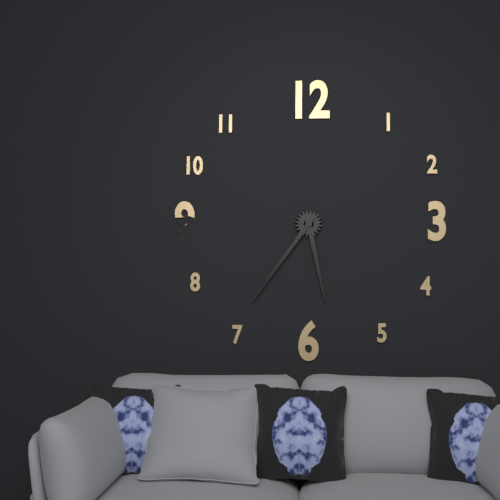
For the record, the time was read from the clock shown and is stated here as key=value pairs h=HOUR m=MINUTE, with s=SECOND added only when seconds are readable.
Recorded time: h=5 m=36
